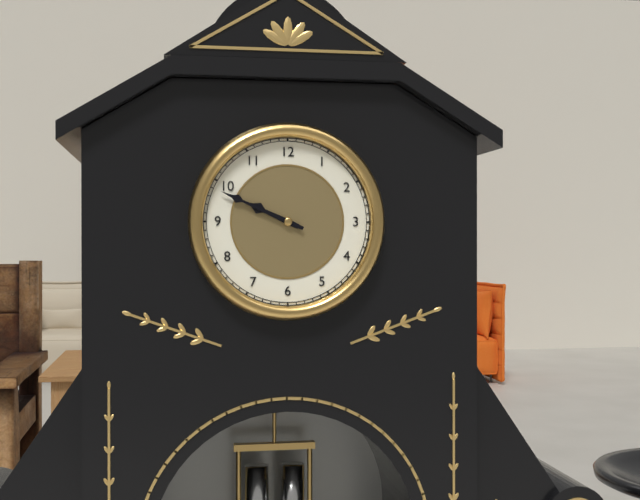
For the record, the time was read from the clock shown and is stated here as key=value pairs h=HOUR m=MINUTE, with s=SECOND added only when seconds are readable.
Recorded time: h=9 m=49
